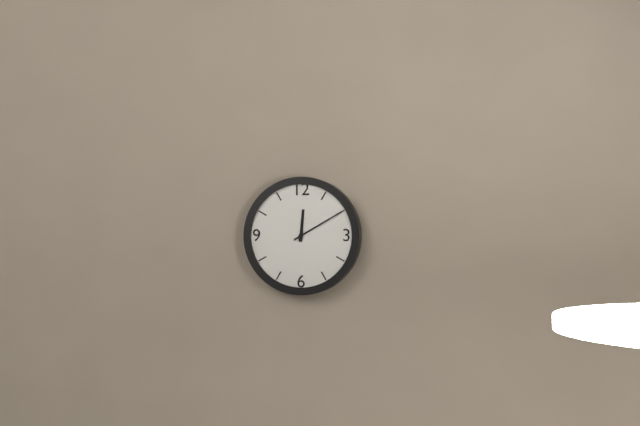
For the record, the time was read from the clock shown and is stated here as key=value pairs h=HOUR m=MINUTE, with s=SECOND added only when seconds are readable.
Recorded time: h=12 m=10
